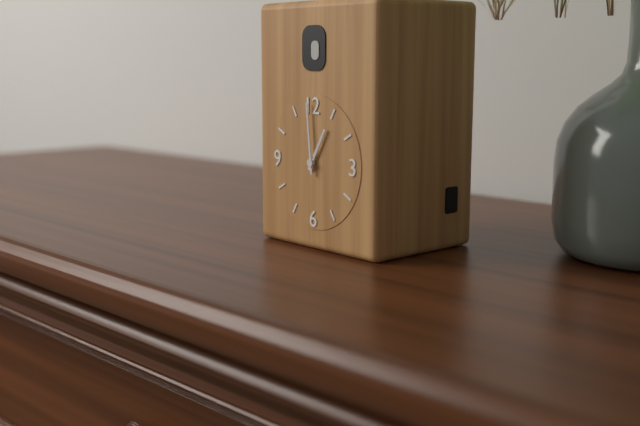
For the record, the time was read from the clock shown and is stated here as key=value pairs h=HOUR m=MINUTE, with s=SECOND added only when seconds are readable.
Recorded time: h=12 m=59
